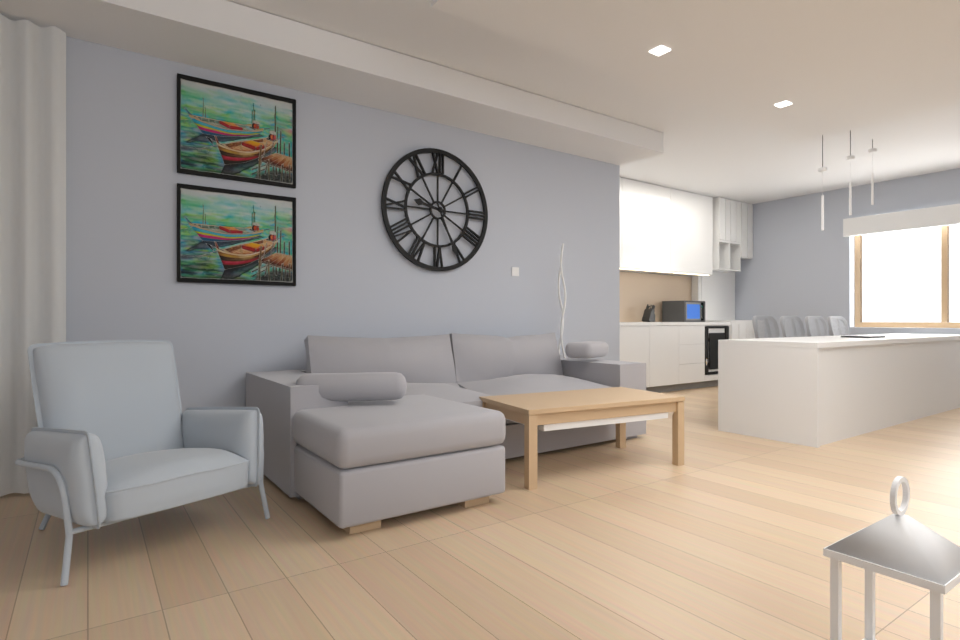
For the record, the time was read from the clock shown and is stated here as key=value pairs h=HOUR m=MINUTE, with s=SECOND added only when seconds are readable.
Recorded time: h=9 m=26
